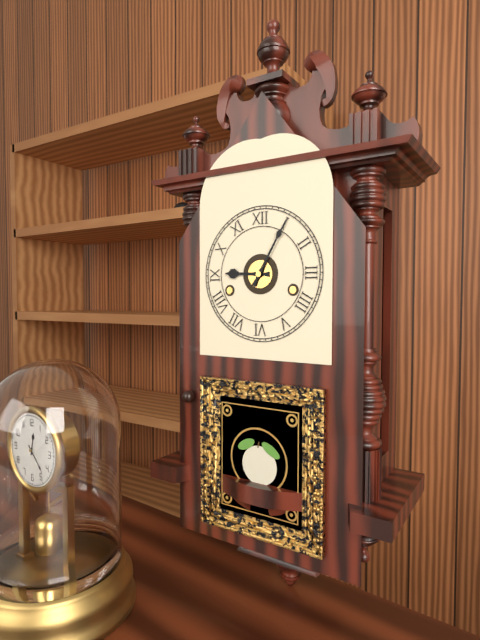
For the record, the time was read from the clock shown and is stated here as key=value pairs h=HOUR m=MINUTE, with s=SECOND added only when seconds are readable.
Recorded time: h=9 m=5
